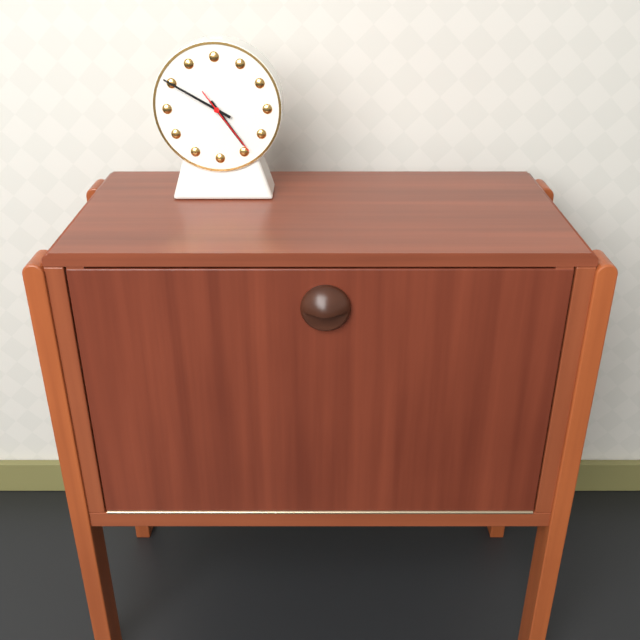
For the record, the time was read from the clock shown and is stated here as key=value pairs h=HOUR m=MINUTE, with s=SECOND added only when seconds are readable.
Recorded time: h=4 m=50 s=24
